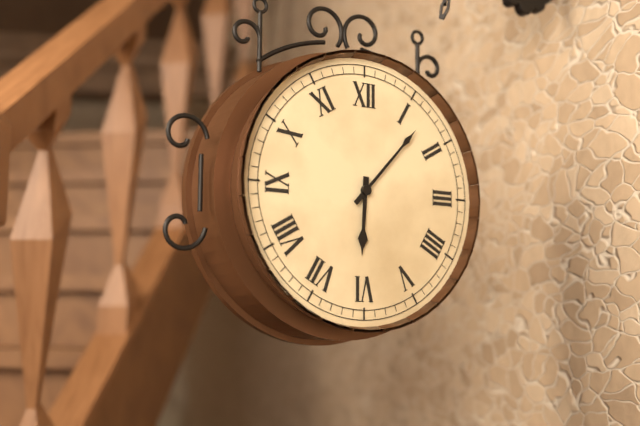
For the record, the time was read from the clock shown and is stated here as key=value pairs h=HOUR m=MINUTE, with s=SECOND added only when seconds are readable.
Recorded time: h=6 m=7
